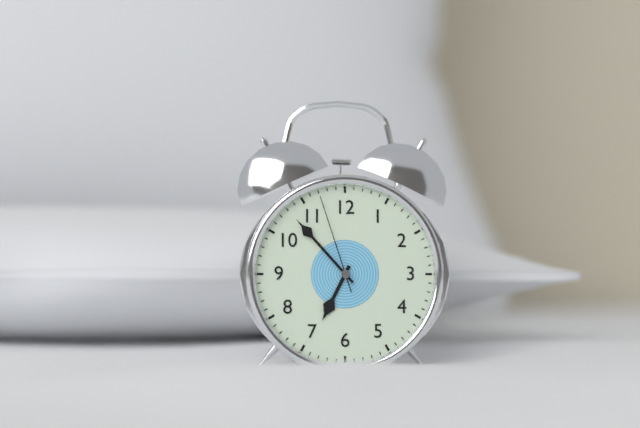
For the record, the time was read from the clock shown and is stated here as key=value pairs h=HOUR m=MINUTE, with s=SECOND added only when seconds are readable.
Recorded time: h=6 m=53 s=57
